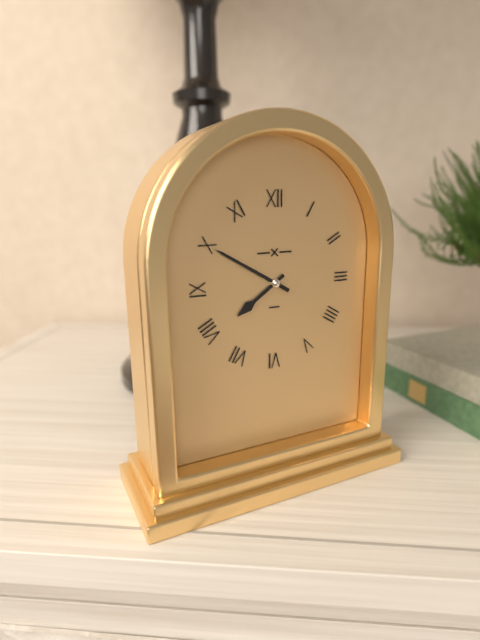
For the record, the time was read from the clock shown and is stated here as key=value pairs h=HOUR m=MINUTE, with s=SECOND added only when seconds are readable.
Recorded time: h=7 m=50
